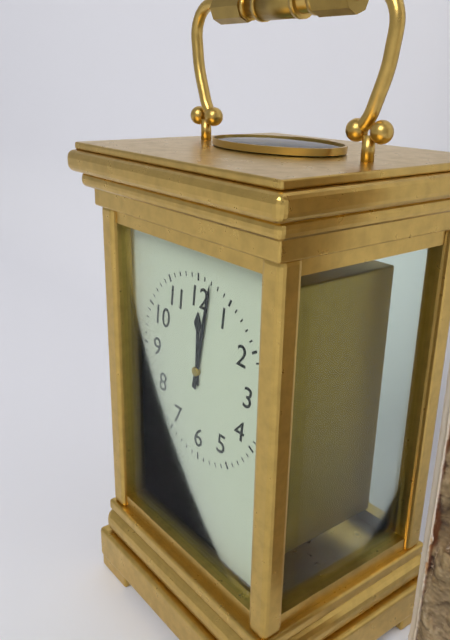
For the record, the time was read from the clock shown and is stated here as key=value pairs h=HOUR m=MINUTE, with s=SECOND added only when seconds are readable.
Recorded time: h=12 m=2
